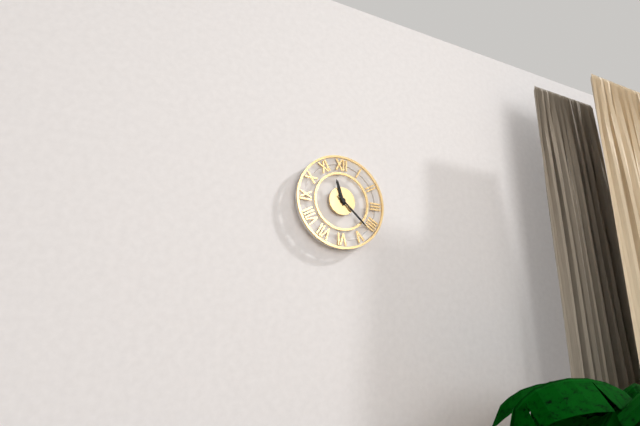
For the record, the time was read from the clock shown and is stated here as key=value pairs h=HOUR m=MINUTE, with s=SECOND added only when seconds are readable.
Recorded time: h=11 m=22
